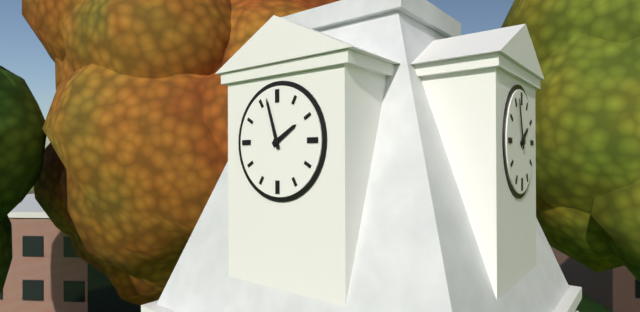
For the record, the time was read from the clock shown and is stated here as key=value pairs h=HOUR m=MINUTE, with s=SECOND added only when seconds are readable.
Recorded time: h=1 m=57
